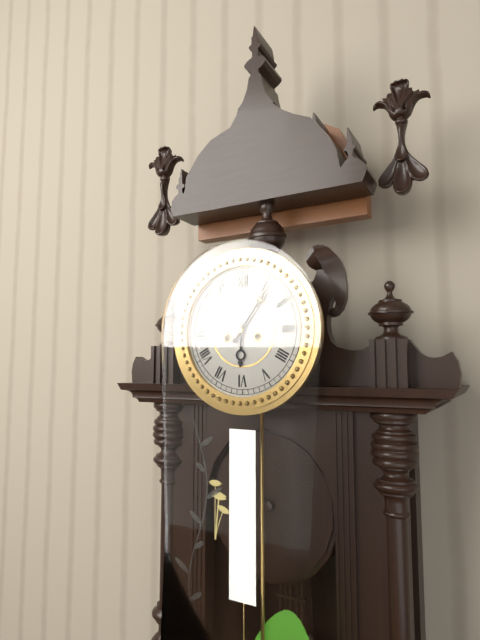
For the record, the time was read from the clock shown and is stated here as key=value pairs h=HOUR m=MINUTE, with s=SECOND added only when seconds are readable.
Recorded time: h=6 m=6
